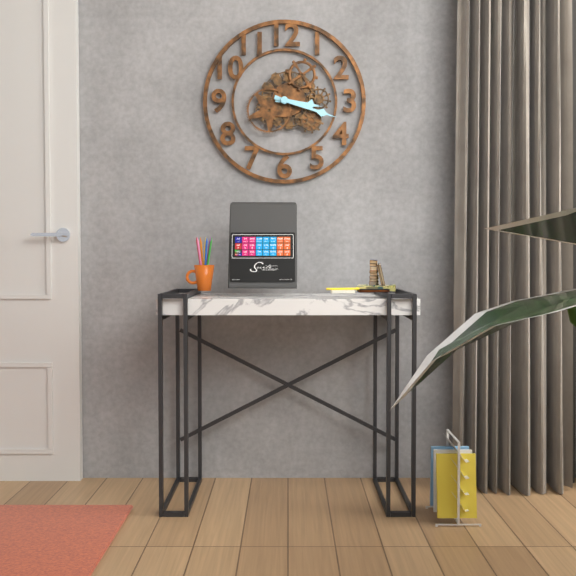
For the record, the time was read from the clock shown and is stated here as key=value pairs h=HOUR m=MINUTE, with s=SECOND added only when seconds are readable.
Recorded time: h=3 m=18
